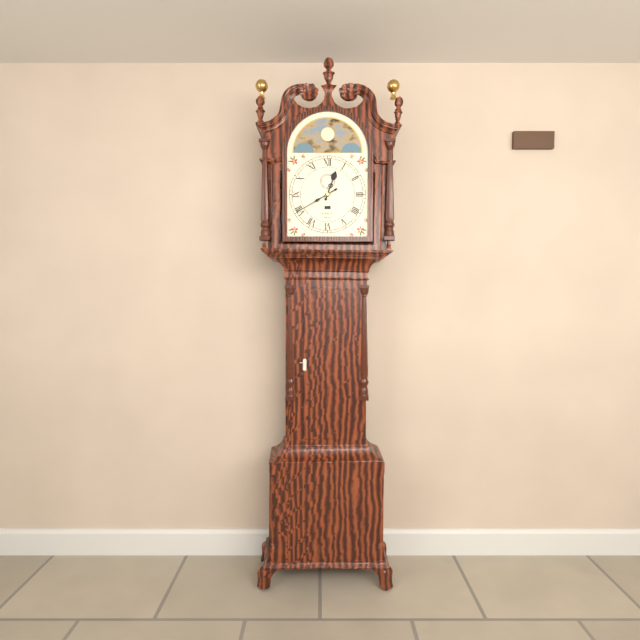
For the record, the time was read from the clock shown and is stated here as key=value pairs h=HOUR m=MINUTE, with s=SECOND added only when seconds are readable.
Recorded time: h=12 m=40
